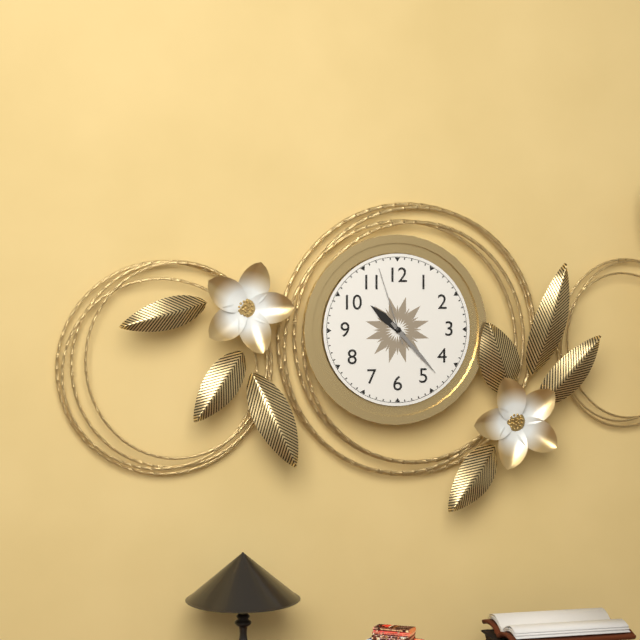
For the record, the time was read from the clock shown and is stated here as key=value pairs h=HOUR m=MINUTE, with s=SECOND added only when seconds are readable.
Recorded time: h=10 m=23 s=57
